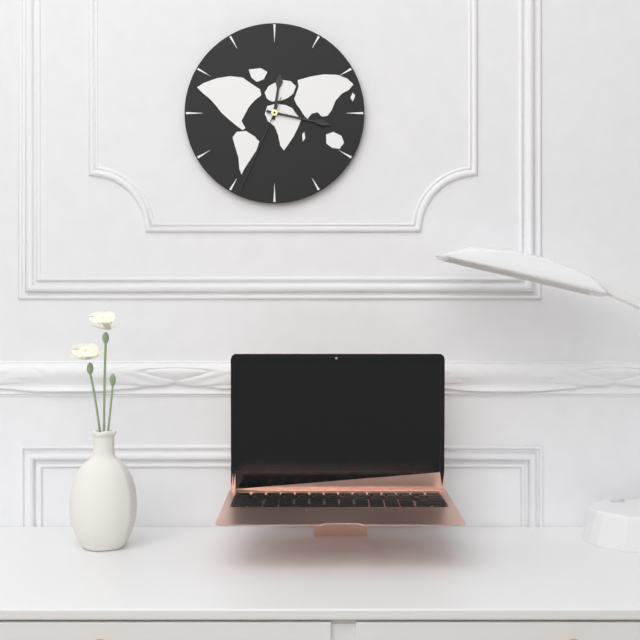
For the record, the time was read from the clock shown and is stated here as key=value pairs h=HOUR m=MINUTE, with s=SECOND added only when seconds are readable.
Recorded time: h=12 m=17 s=34
